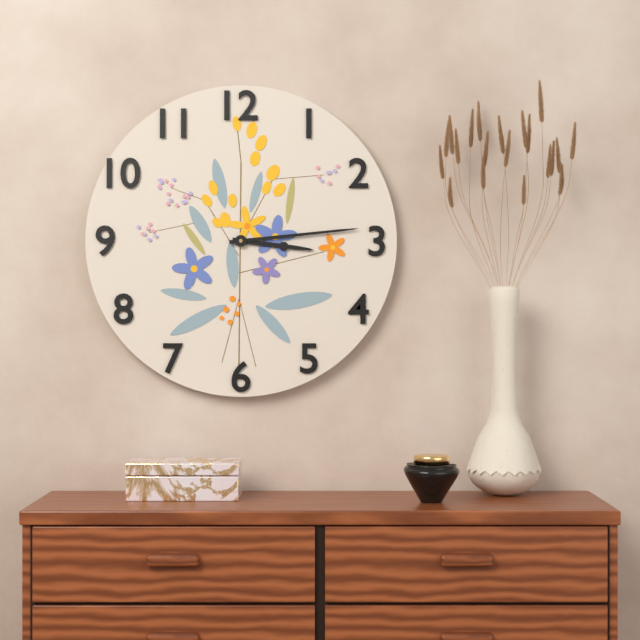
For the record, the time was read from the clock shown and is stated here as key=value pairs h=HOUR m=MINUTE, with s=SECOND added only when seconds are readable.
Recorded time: h=3 m=14
